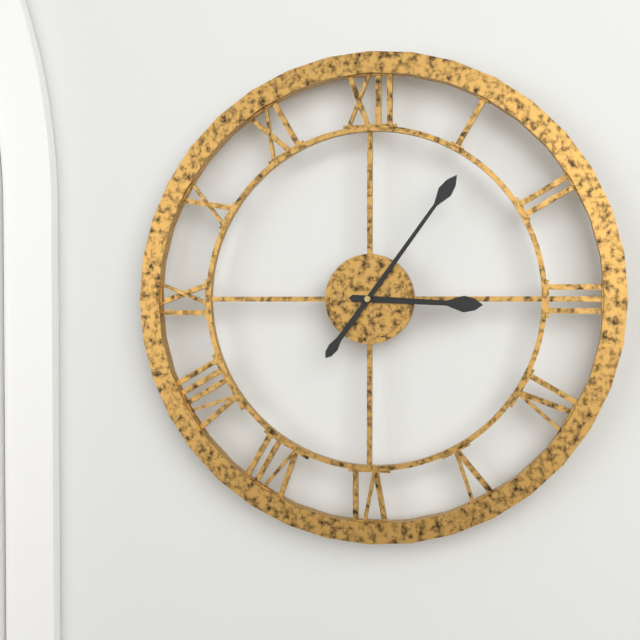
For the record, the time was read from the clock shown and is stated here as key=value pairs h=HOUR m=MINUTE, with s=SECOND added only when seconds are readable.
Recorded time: h=3 m=6
